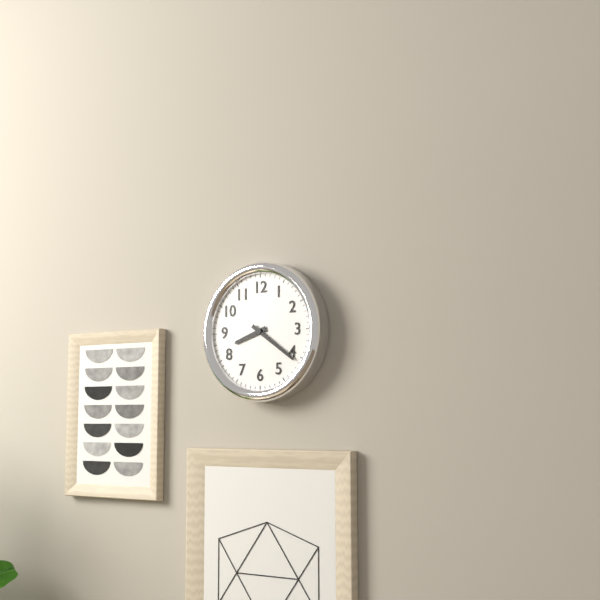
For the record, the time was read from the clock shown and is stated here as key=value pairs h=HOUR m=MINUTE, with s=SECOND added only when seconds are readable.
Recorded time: h=8 m=21
